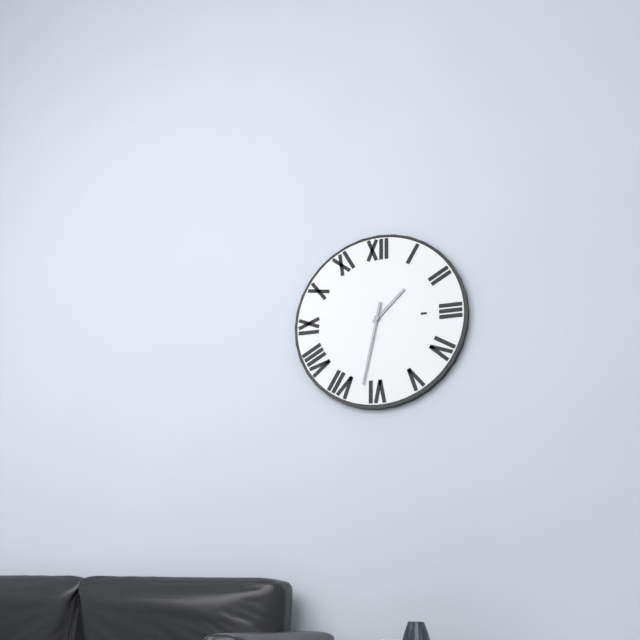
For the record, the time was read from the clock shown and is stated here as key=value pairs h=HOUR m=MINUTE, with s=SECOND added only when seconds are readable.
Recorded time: h=1 m=32
